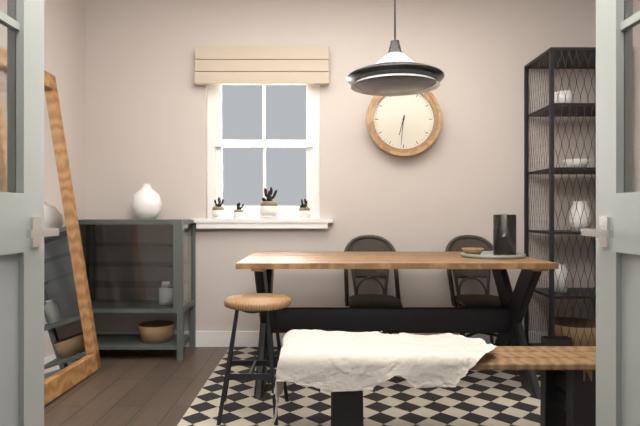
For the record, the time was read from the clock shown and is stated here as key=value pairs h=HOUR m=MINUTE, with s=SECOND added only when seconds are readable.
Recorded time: h=6 m=31
